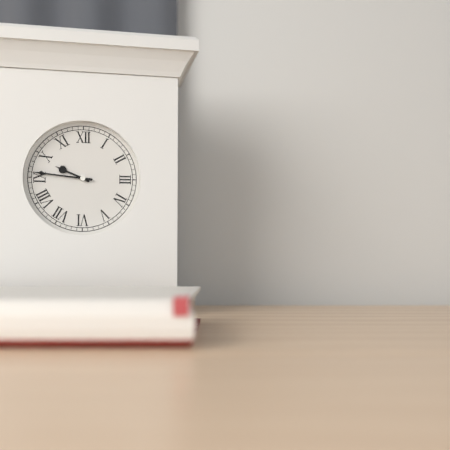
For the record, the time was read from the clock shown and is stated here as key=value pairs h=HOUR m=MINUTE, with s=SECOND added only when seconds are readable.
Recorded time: h=9 m=46
